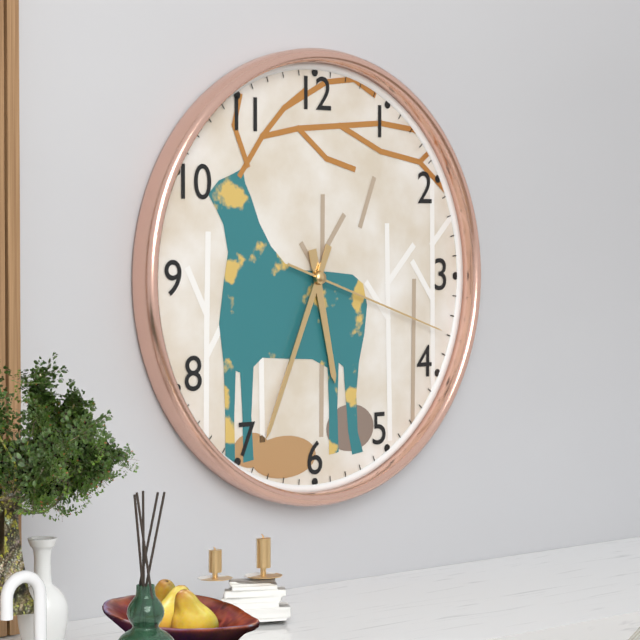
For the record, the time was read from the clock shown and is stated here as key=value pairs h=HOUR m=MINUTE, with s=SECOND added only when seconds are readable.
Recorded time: h=5 m=34 s=18
